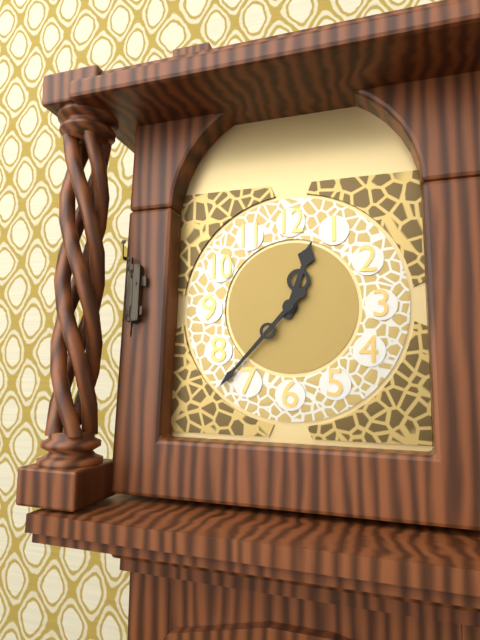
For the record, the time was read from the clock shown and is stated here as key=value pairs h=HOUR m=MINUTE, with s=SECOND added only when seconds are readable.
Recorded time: h=12 m=37
